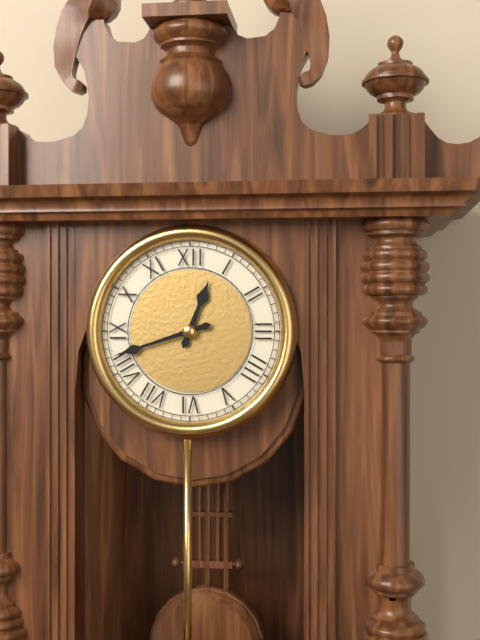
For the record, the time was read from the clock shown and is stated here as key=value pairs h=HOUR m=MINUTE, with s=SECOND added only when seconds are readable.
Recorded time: h=12 m=42
